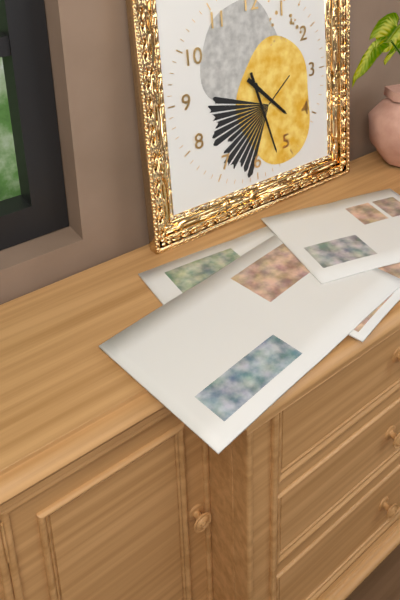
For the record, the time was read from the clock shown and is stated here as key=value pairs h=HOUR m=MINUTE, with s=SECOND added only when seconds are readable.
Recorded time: h=4 m=27
